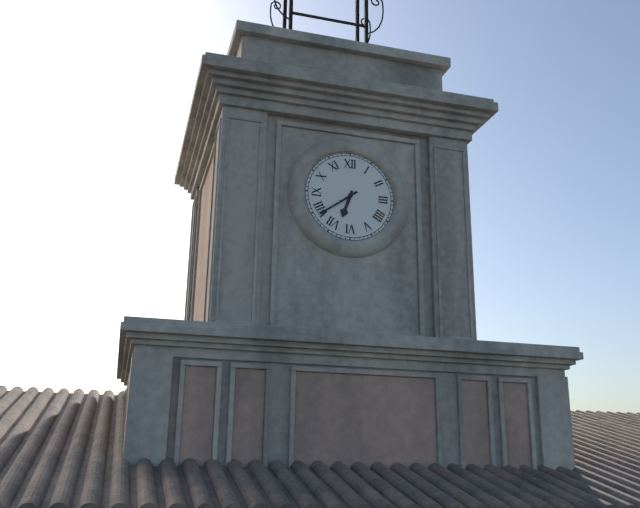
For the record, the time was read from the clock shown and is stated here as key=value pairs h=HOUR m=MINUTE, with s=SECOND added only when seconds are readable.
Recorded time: h=6 m=39
